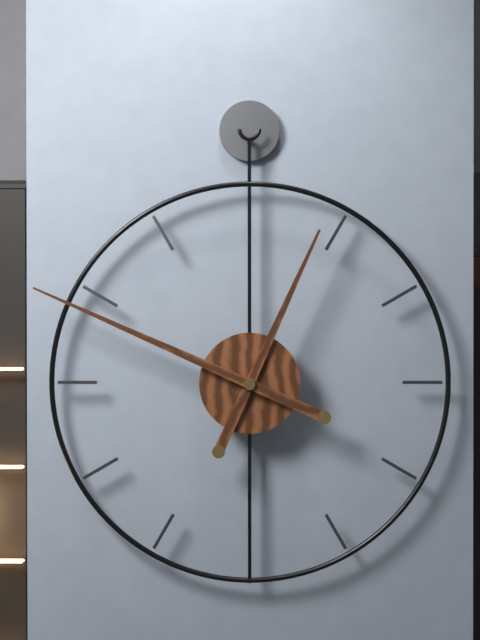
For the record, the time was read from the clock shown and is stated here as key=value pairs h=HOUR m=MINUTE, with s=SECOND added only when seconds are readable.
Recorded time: h=12 m=49
